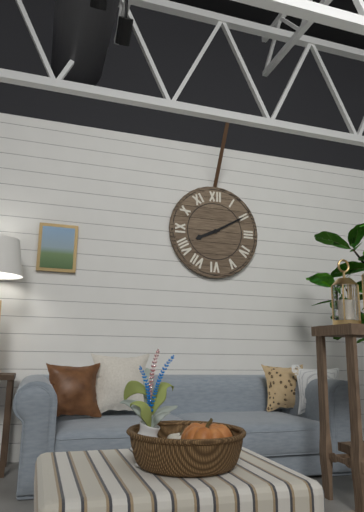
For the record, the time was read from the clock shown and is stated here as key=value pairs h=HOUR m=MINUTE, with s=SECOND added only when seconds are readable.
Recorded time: h=8 m=10
